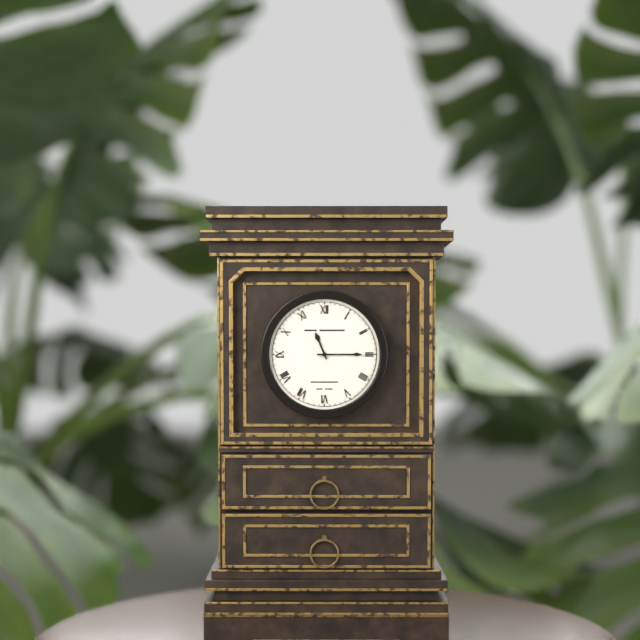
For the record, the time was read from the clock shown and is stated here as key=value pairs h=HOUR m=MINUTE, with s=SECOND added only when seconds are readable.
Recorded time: h=11 m=15
